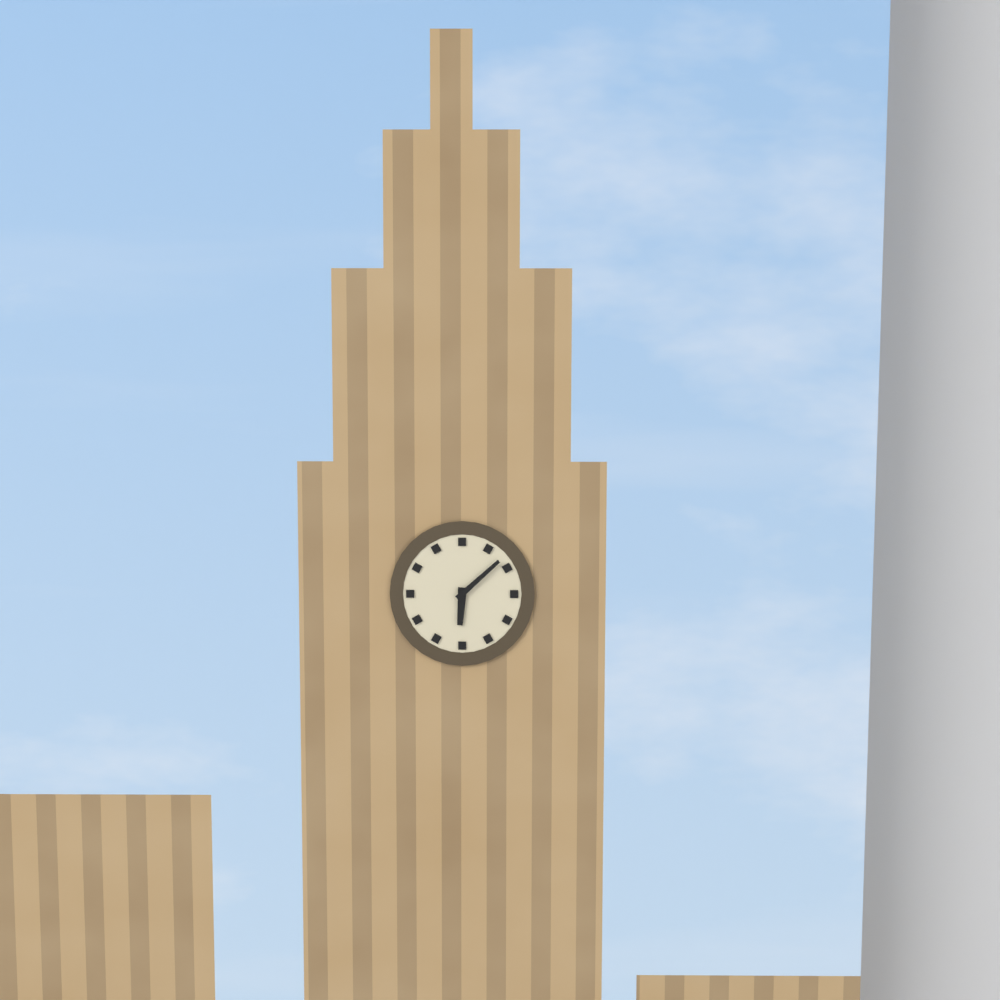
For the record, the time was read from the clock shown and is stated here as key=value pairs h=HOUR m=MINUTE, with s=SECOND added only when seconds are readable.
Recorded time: h=6 m=8
